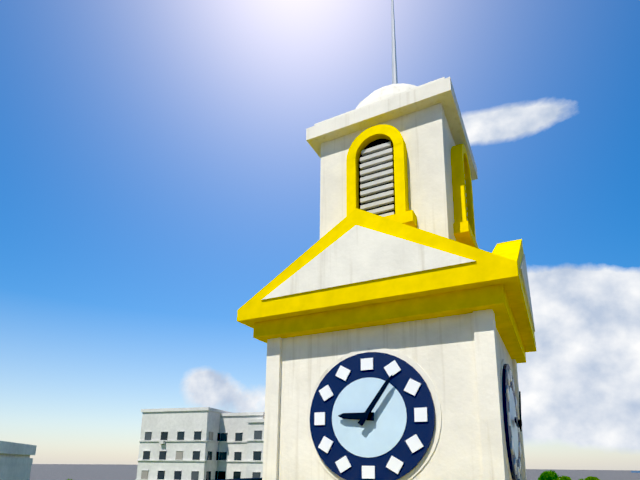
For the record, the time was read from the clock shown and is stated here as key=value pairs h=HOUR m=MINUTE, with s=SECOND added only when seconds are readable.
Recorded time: h=9 m=6
